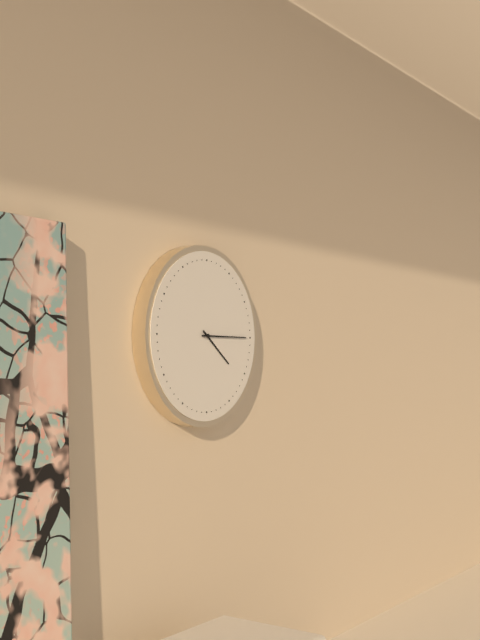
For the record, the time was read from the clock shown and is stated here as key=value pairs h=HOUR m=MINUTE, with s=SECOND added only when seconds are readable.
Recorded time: h=4 m=15
